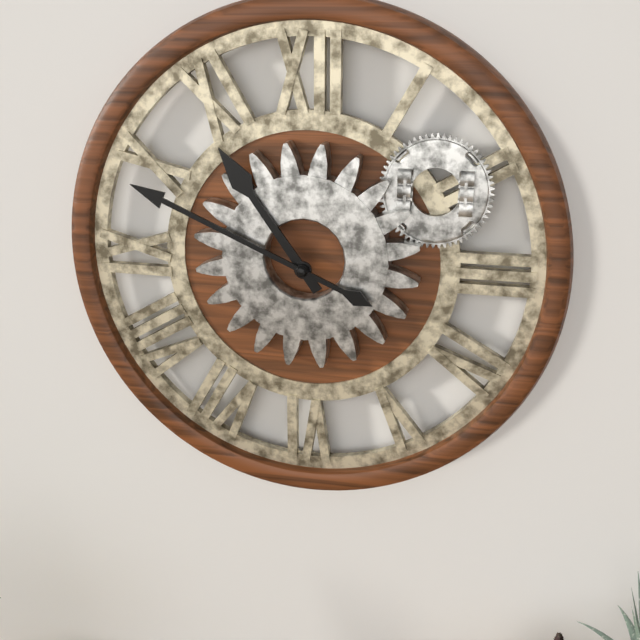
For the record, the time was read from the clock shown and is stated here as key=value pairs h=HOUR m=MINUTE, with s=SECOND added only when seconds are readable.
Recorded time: h=10 m=49
